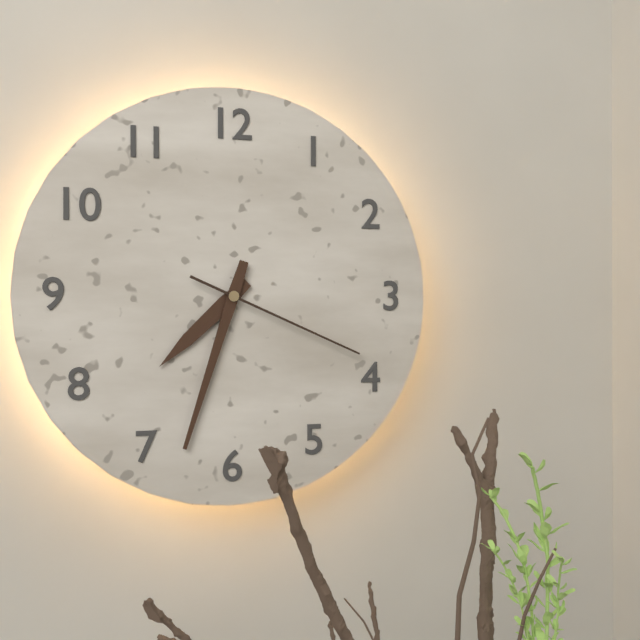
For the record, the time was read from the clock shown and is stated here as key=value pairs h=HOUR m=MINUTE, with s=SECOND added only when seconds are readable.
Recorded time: h=7 m=33 s=19
